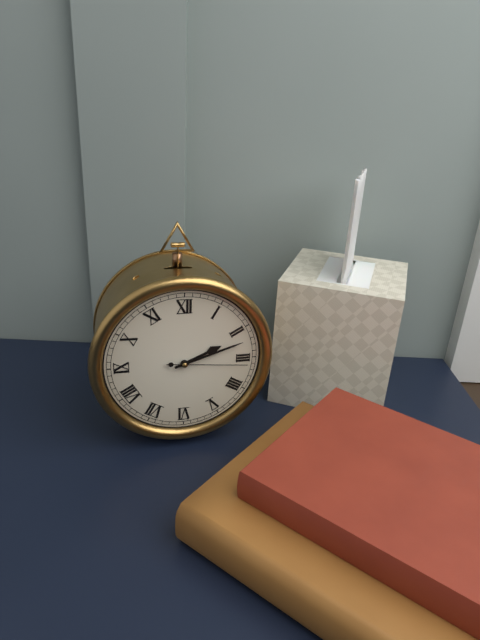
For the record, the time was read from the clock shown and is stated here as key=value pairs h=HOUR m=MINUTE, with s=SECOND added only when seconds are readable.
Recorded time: h=2 m=12 s=16
